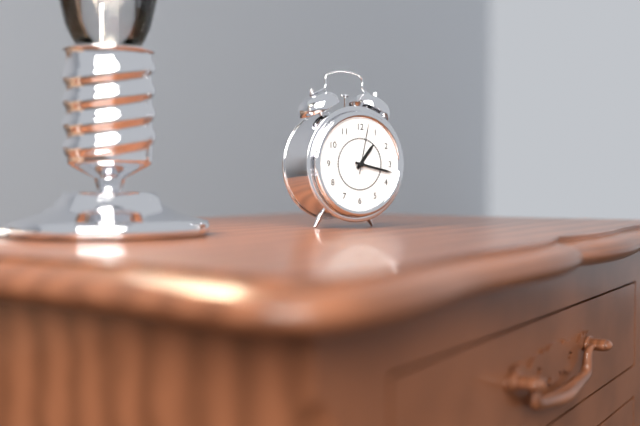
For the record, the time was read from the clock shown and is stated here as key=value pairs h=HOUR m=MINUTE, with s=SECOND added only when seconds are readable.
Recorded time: h=1 m=17 s=2
